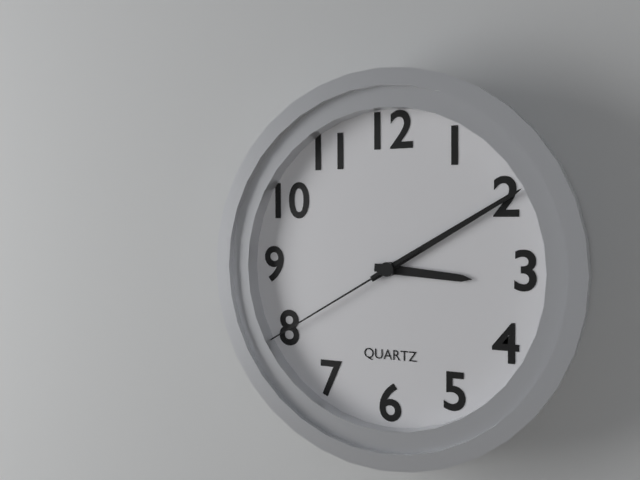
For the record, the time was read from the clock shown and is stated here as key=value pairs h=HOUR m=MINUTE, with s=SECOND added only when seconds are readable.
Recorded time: h=3 m=10 s=40
